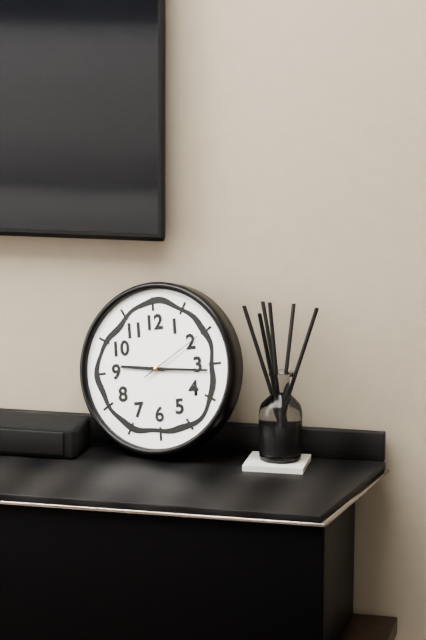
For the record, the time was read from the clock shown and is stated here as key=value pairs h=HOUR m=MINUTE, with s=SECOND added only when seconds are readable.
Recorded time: h=9 m=16 s=10
